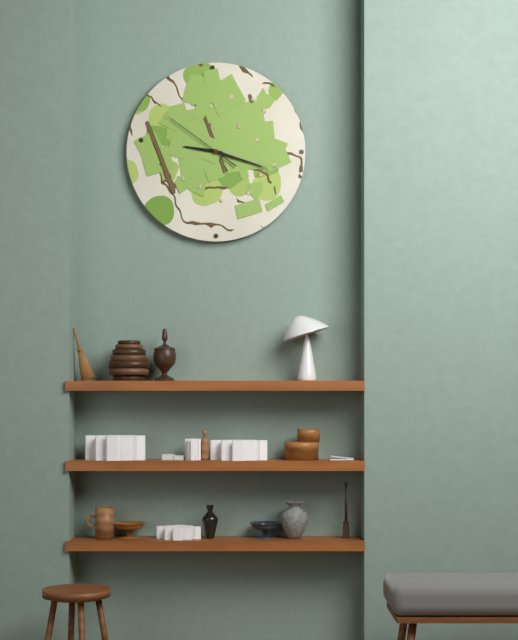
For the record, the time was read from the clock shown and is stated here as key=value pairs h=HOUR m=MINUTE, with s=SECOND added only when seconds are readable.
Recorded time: h=9 m=18 s=51
